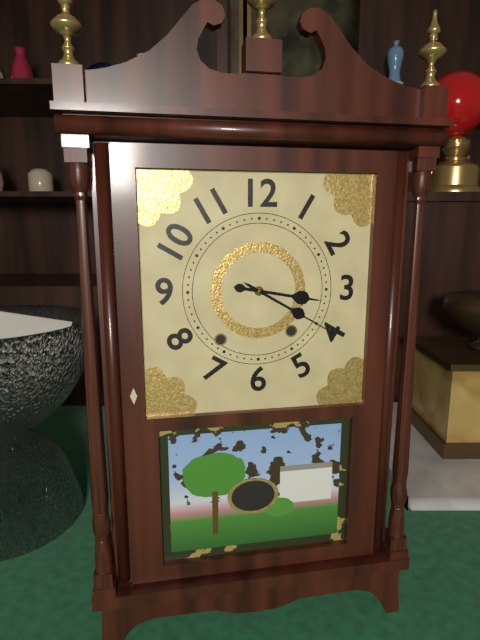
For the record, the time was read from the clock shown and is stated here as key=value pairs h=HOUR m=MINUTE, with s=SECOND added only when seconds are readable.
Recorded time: h=3 m=20
